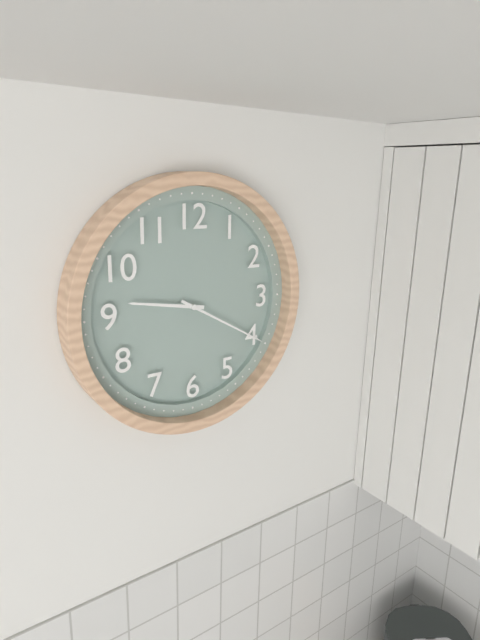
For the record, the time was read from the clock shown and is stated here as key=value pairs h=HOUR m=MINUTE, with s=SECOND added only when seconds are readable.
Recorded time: h=9 m=20
